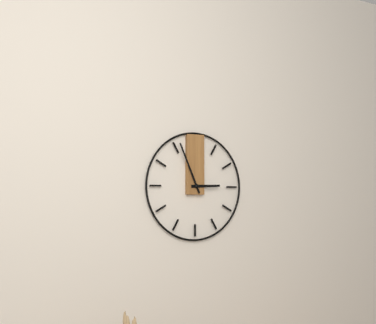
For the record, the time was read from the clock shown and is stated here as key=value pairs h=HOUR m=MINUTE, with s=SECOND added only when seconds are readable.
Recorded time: h=2 m=56
